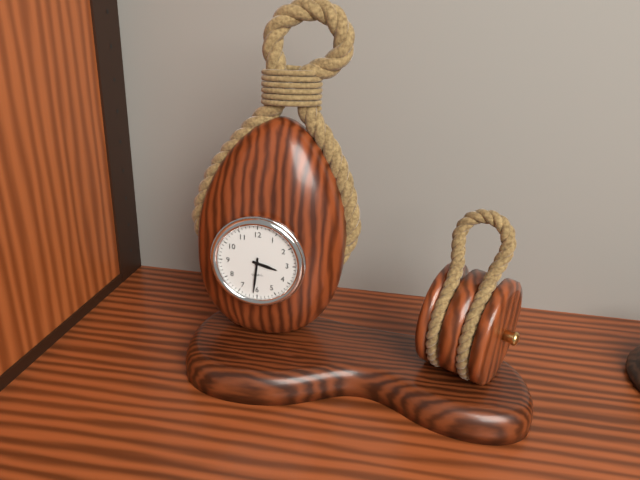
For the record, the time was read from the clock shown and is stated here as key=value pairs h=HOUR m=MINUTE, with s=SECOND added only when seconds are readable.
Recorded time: h=3 m=31
